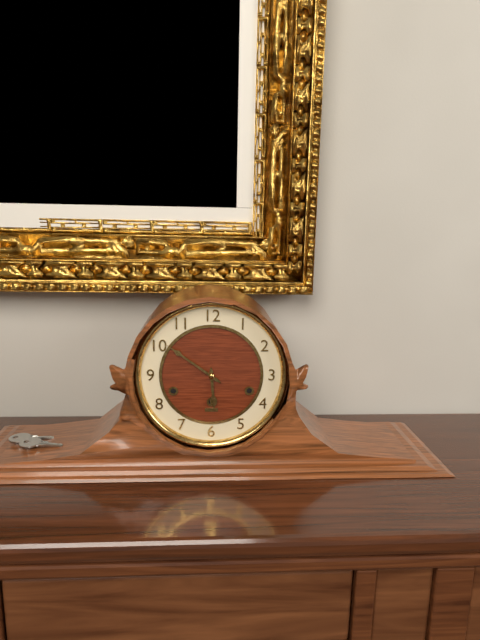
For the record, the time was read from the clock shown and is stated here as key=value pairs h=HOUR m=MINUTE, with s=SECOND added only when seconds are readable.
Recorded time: h=5 m=51
